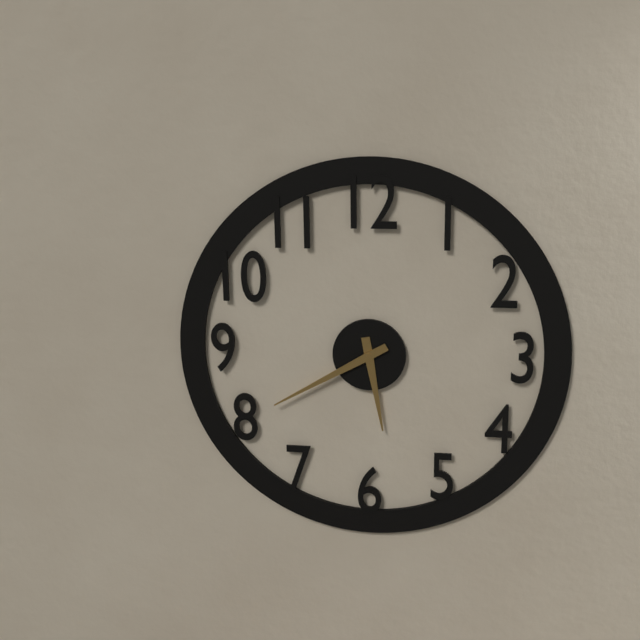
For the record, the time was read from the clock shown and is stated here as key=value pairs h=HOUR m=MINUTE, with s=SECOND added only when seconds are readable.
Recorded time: h=5 m=40
